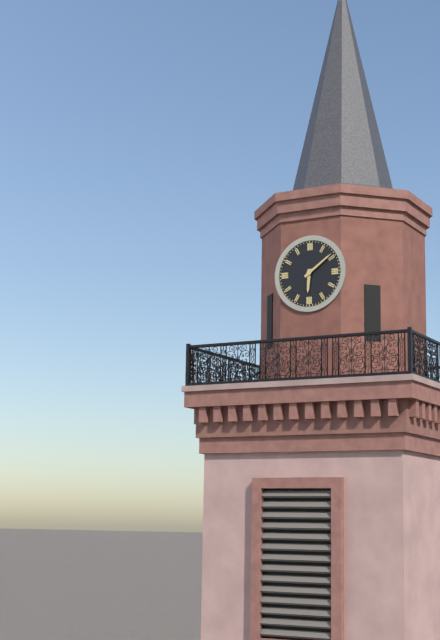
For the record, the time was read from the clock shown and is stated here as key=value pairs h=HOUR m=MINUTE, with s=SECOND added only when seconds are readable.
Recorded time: h=6 m=9
